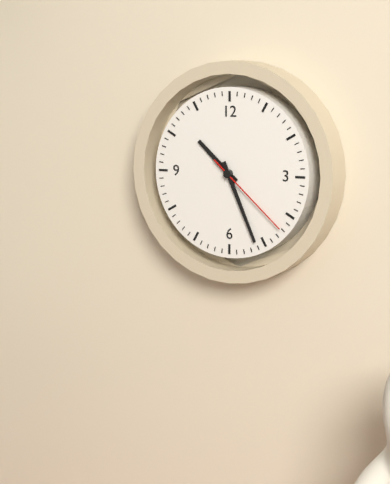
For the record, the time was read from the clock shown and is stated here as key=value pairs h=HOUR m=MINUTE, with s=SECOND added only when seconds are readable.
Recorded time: h=10 m=26 s=22
